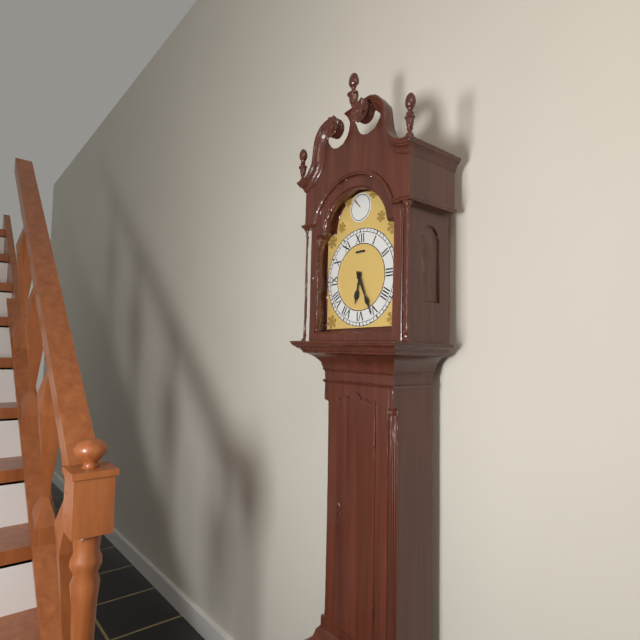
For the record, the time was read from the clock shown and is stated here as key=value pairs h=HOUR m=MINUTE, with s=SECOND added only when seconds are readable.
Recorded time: h=6 m=26
